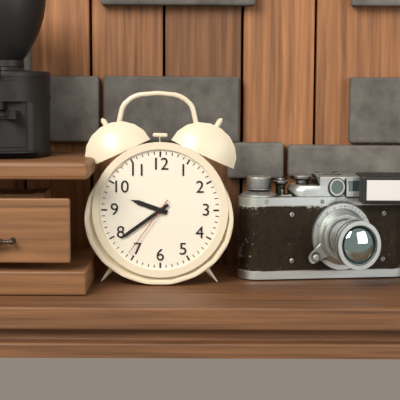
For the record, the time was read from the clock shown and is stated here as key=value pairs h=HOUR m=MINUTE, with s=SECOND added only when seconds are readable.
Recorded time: h=9 m=39 s=36
